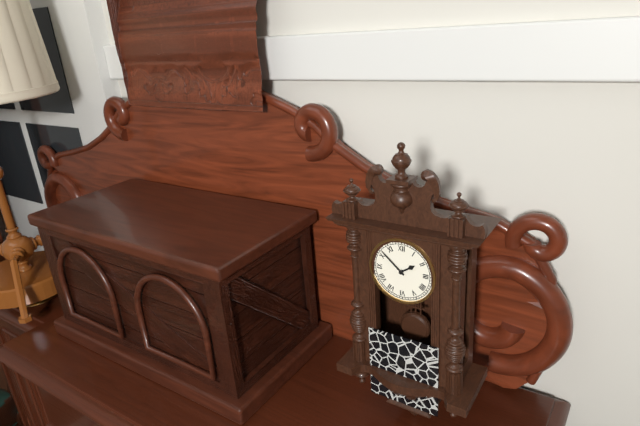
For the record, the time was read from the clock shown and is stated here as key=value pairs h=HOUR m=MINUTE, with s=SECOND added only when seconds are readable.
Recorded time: h=1 m=52
